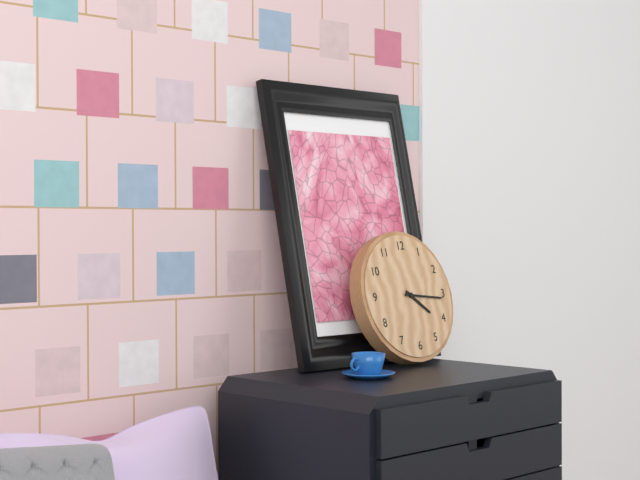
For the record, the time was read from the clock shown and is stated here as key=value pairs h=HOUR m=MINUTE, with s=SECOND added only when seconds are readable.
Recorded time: h=4 m=16
